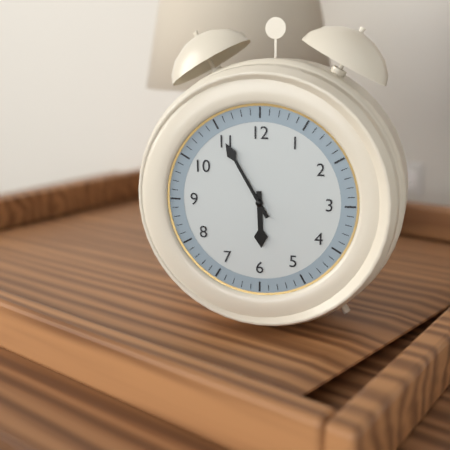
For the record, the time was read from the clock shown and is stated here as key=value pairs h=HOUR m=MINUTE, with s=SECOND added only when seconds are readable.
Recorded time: h=5 m=55
